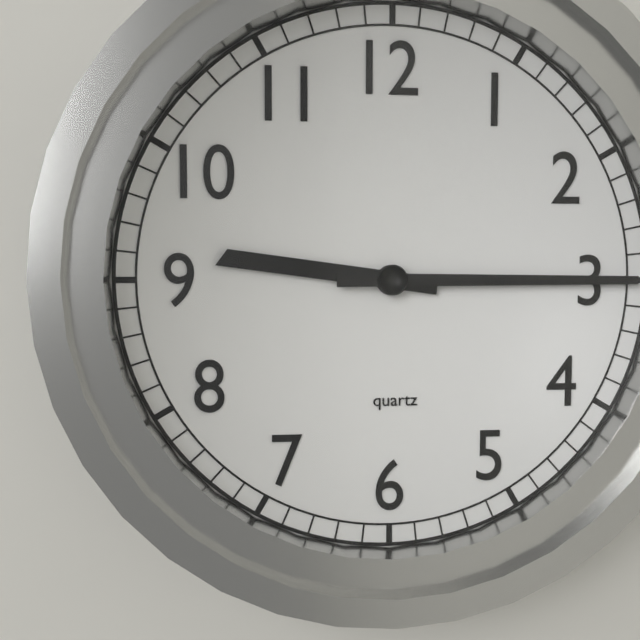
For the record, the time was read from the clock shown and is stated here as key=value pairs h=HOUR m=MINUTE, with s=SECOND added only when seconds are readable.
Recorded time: h=9 m=15
